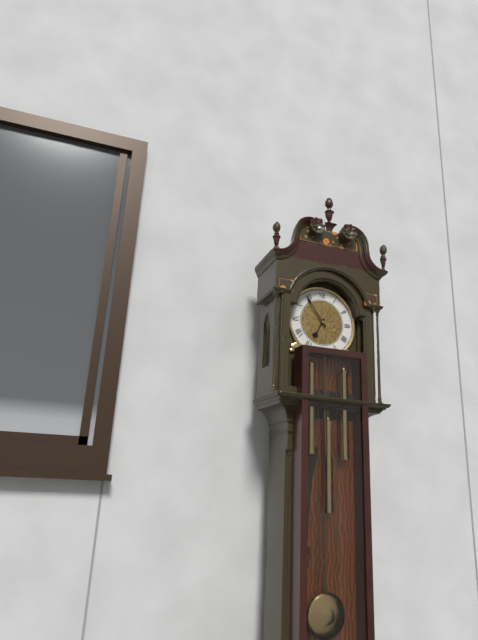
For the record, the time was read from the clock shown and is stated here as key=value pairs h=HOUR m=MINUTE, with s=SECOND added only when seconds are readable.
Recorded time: h=6 m=54
